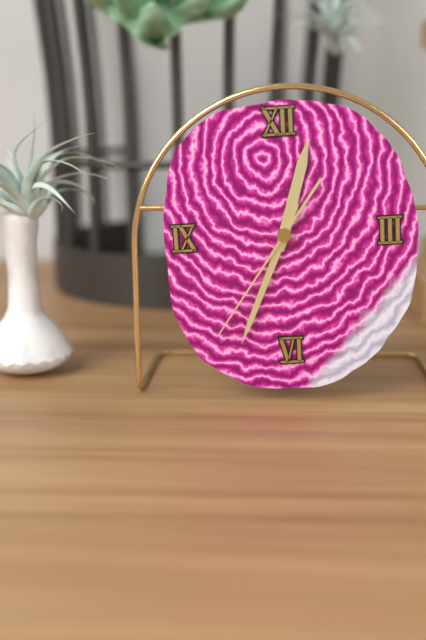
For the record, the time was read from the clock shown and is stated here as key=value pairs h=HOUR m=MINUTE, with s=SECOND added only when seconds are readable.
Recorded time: h=12 m=34 s=36
